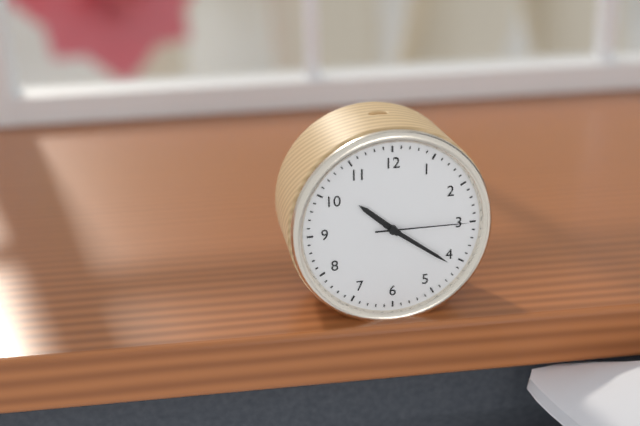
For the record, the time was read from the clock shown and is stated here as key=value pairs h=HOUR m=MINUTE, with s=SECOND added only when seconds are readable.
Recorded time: h=10 m=21 s=15
